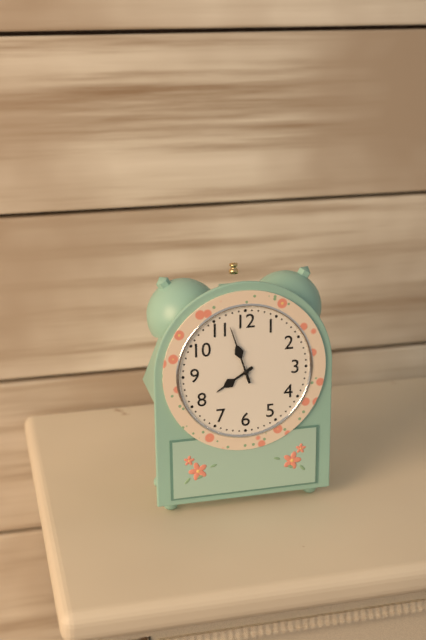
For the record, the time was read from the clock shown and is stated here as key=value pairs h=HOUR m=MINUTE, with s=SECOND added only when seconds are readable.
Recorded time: h=7 m=57
